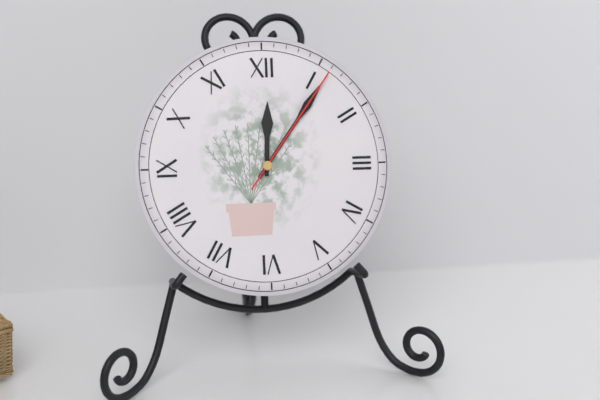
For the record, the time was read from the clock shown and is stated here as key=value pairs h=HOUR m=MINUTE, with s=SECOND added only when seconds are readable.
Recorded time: h=12 m=6 s=6
